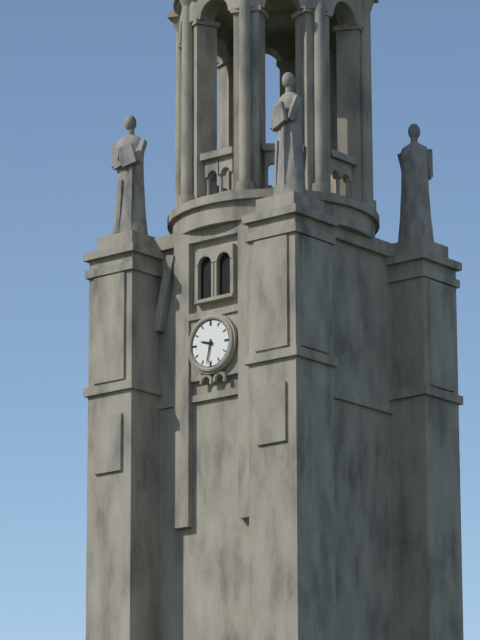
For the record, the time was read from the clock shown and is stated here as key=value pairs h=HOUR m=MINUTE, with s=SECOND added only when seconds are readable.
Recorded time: h=9 m=32
